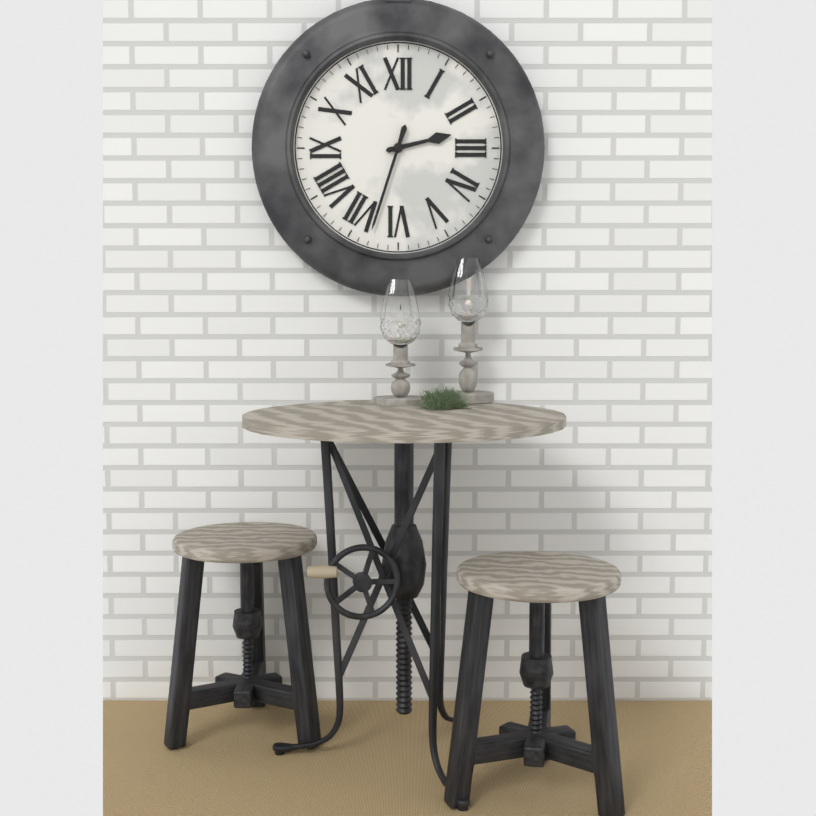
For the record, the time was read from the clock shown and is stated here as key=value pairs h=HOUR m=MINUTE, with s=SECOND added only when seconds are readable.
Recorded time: h=2 m=33
